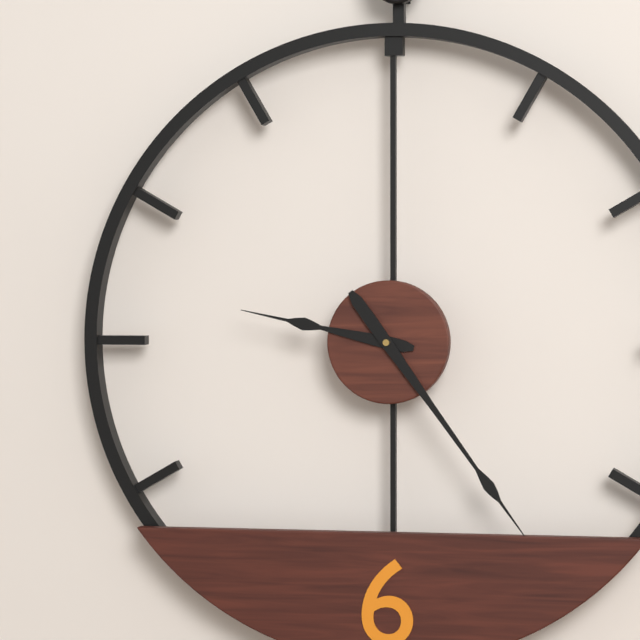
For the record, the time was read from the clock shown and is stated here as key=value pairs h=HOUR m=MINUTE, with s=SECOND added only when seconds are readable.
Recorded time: h=9 m=24
